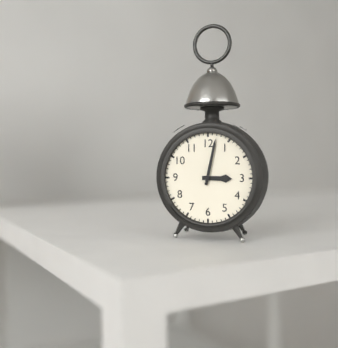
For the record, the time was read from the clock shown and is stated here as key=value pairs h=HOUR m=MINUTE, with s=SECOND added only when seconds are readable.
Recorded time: h=3 m=2
